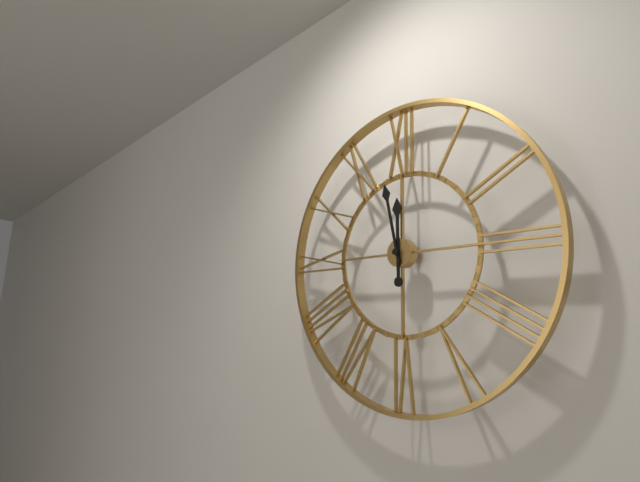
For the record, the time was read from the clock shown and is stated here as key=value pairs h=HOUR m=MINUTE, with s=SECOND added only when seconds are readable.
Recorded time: h=11 m=58
